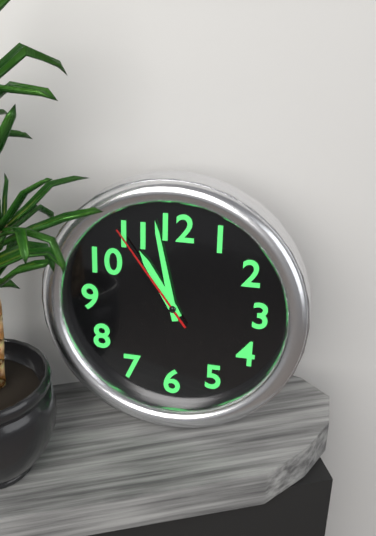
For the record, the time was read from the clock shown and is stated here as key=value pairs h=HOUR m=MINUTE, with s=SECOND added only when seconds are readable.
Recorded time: h=10 m=58 s=54
